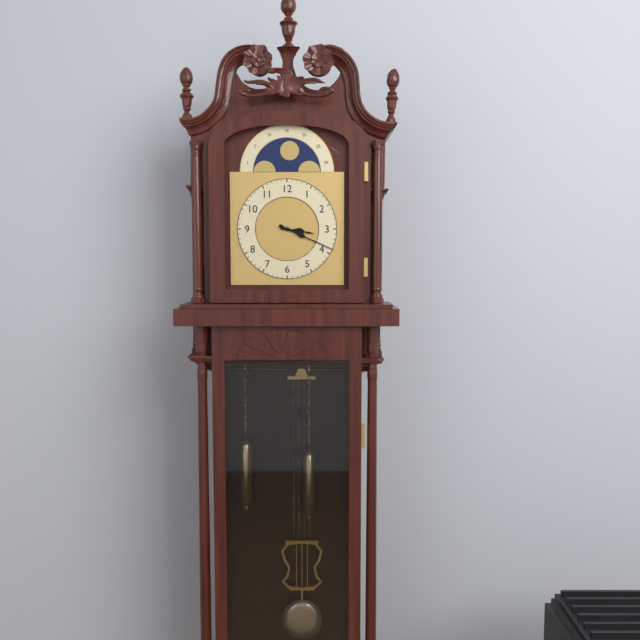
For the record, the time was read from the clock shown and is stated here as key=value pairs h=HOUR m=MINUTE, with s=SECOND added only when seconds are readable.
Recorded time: h=3 m=19
